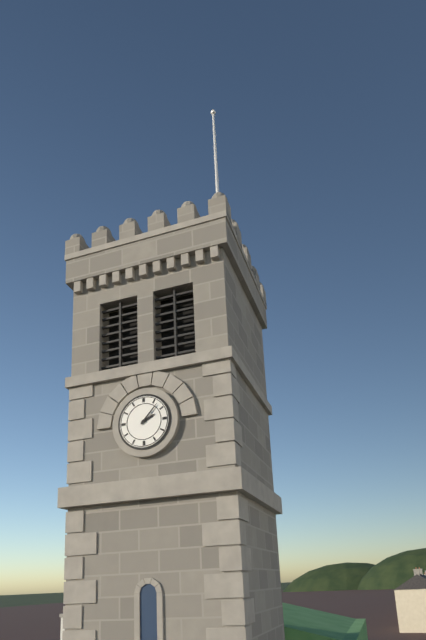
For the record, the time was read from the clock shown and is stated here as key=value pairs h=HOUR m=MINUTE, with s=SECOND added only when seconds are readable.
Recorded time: h=2 m=7
